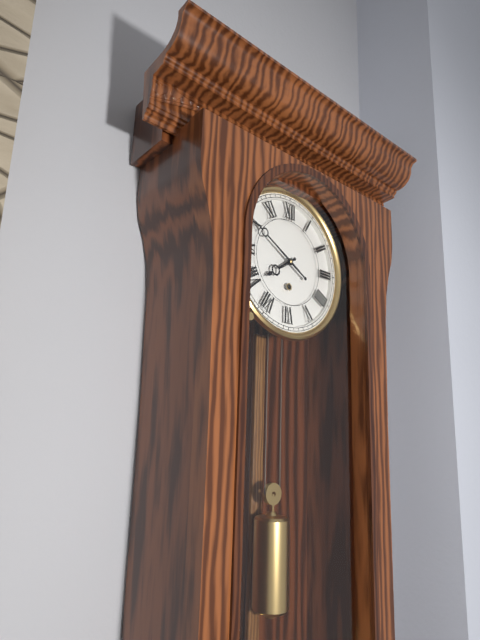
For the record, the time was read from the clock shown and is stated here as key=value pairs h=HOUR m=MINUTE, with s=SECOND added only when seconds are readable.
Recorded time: h=7 m=50
